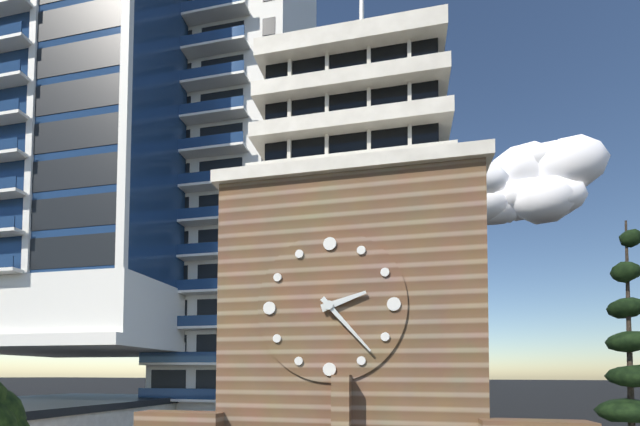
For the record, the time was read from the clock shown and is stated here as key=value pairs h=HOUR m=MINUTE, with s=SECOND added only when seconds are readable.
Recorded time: h=2 m=23
